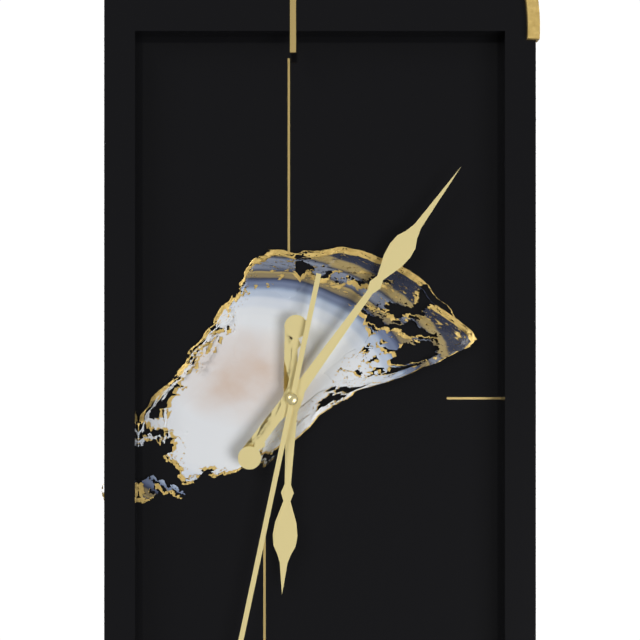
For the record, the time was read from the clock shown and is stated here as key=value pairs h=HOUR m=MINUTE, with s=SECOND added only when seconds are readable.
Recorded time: h=6 m=6
